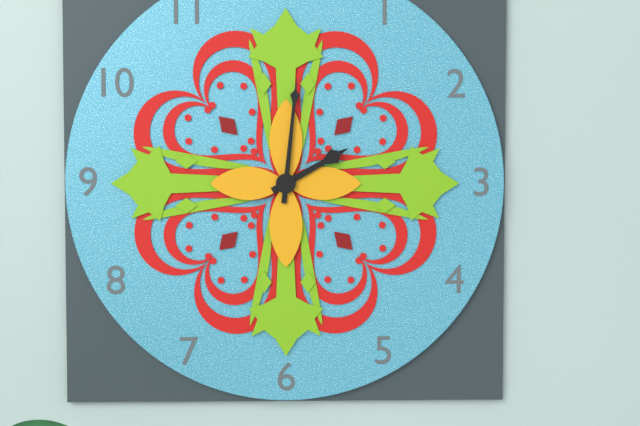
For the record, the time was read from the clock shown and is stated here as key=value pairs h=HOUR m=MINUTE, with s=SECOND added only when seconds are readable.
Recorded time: h=2 m=1
